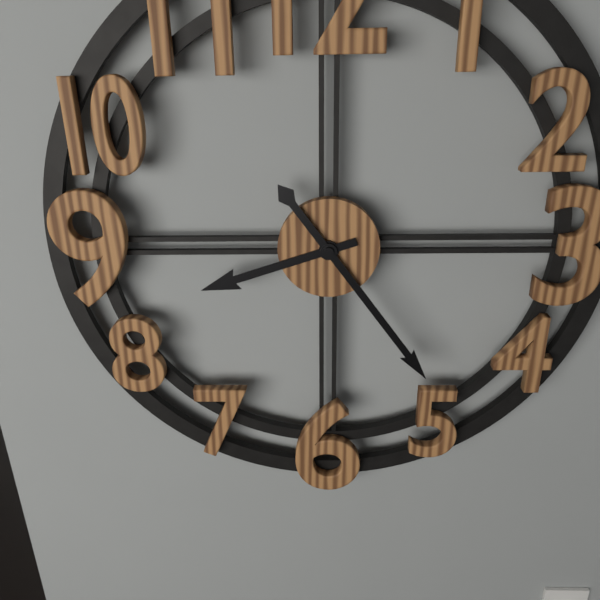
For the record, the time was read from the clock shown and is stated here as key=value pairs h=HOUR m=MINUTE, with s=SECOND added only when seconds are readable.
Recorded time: h=8 m=24
